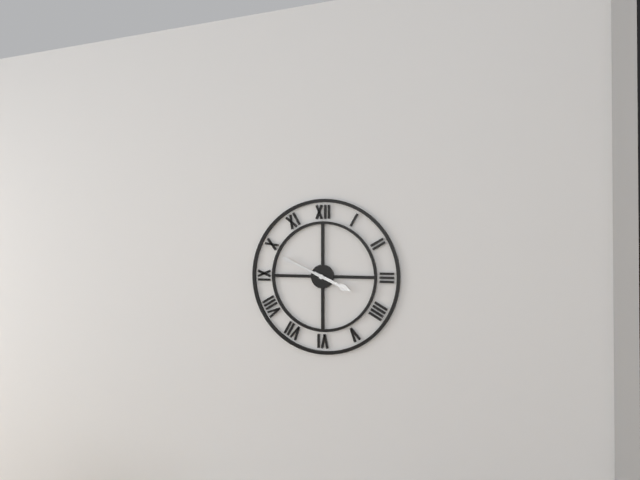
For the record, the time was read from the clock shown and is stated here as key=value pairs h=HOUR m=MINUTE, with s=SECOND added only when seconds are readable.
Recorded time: h=3 m=49
